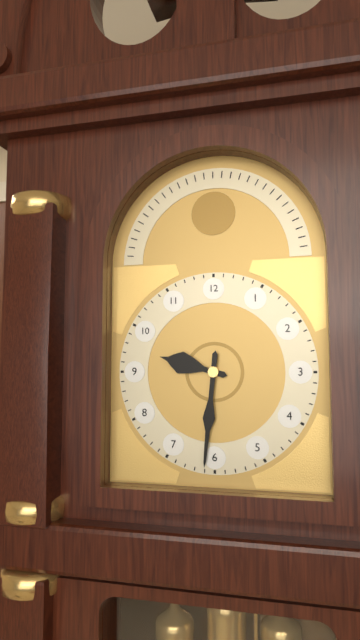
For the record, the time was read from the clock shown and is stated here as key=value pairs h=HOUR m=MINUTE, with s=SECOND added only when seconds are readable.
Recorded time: h=9 m=31
